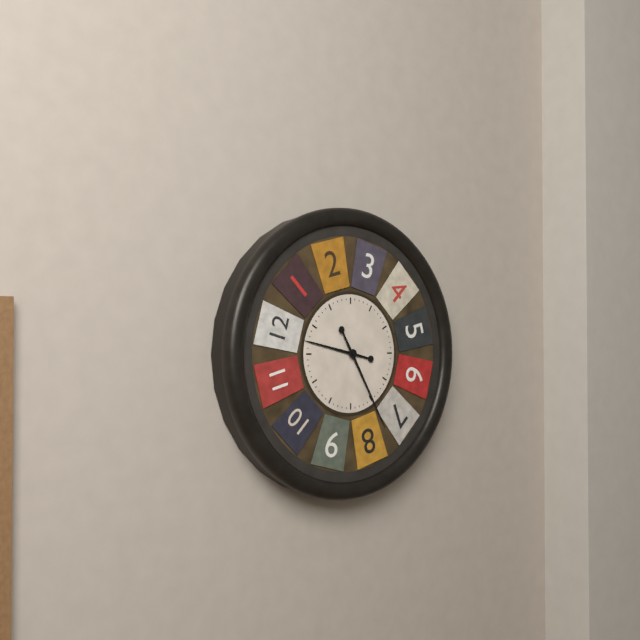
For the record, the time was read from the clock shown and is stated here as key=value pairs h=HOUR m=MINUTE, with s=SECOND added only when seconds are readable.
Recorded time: h=9 m=25
